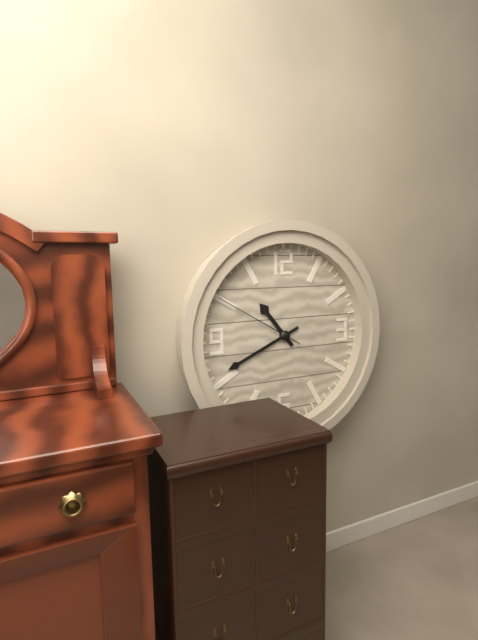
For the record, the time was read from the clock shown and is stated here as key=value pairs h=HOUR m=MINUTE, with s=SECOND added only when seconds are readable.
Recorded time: h=10 m=41 s=50
